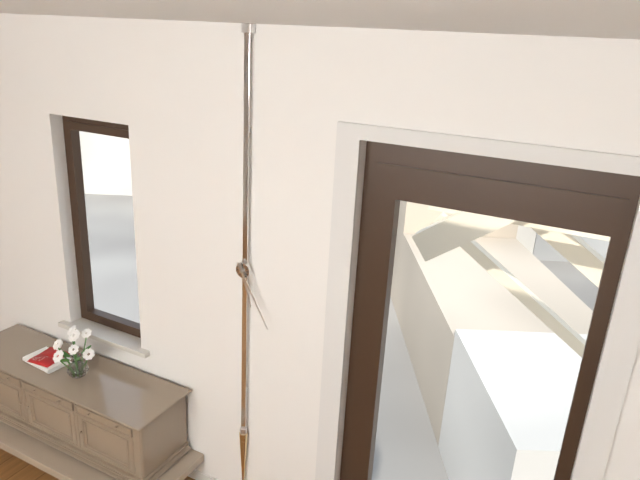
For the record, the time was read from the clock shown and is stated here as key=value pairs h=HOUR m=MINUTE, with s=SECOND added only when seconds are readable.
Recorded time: h=5 m=25
